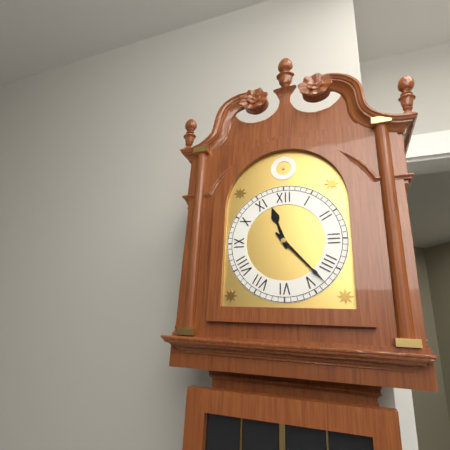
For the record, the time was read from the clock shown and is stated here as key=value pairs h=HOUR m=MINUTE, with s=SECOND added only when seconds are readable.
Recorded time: h=11 m=23
